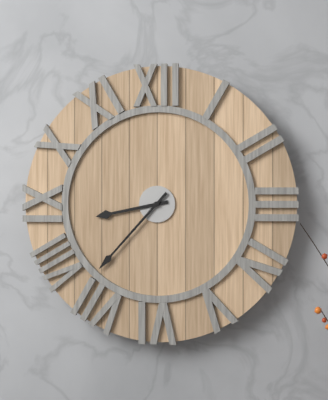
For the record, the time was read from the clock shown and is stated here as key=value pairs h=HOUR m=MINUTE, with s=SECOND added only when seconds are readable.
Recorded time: h=8 m=37
